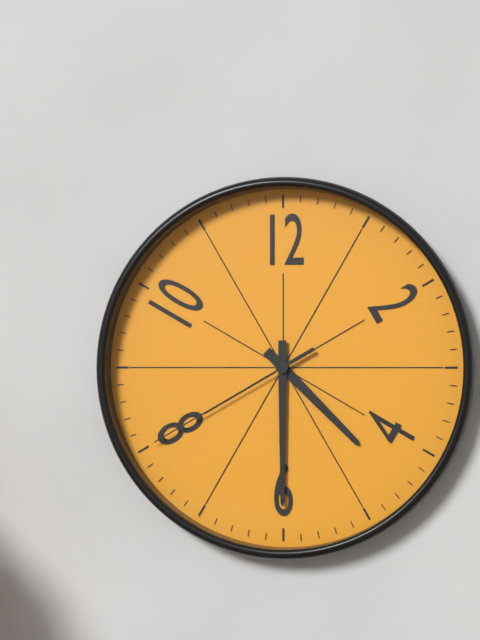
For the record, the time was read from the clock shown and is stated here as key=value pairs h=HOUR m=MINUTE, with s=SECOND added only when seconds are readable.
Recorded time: h=4 m=30 s=40
